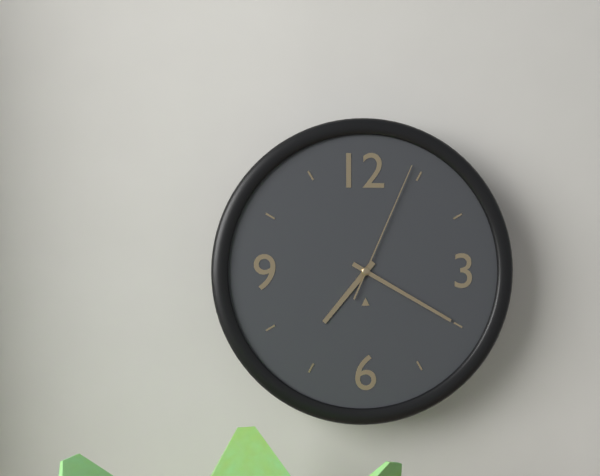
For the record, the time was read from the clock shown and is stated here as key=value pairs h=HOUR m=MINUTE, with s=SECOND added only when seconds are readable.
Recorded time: h=7 m=20 s=4
